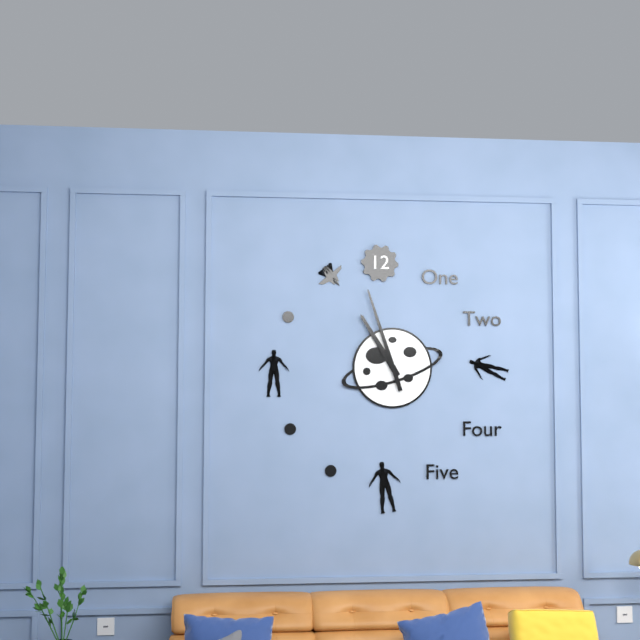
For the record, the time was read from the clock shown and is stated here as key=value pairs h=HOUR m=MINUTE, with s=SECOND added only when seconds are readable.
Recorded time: h=10 m=57
